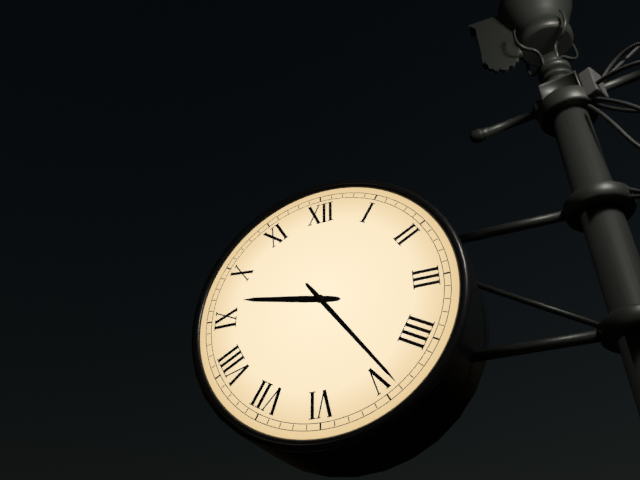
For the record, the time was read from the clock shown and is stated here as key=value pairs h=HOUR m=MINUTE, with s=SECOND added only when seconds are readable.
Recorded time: h=9 m=24
